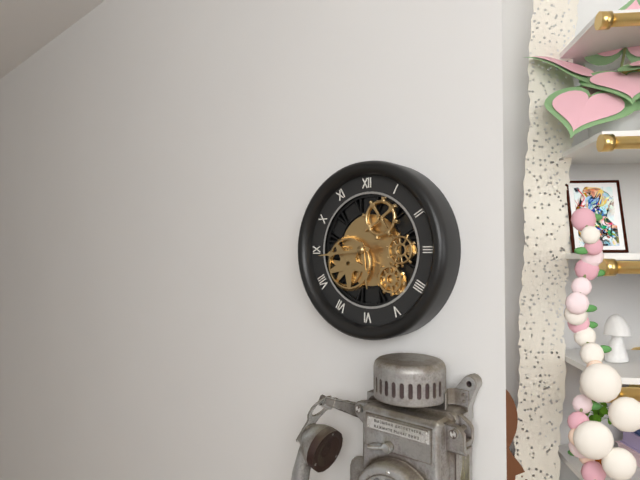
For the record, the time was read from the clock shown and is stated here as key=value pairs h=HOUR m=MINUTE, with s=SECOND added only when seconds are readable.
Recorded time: h=5 m=44
